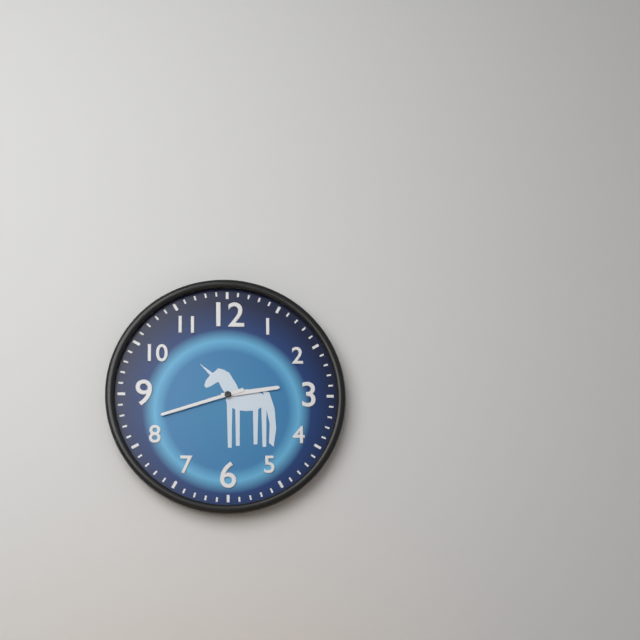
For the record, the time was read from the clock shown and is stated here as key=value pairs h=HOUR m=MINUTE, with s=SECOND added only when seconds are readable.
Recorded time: h=2 m=42
